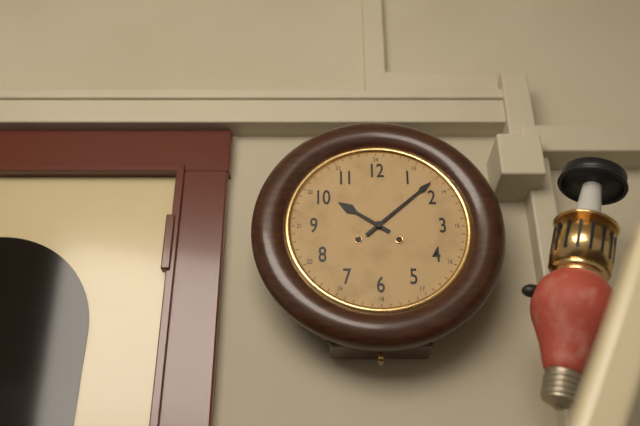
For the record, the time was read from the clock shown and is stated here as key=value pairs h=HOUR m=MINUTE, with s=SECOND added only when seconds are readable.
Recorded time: h=10 m=8
